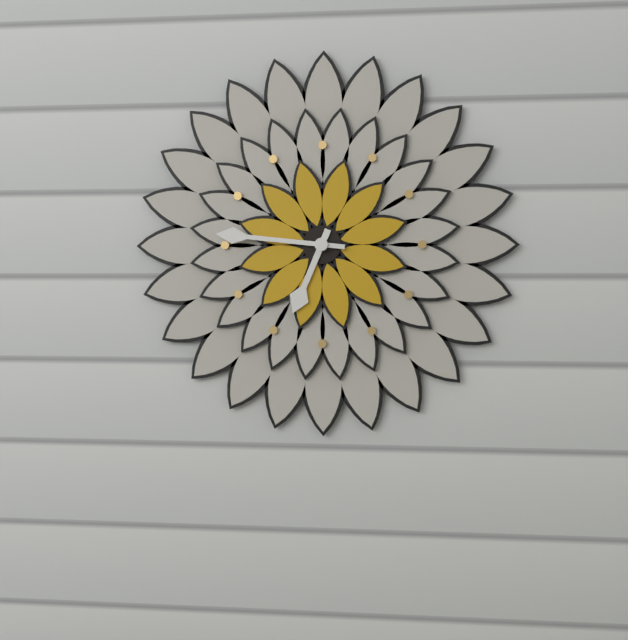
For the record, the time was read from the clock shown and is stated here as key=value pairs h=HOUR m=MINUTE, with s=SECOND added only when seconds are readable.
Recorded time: h=6 m=46
